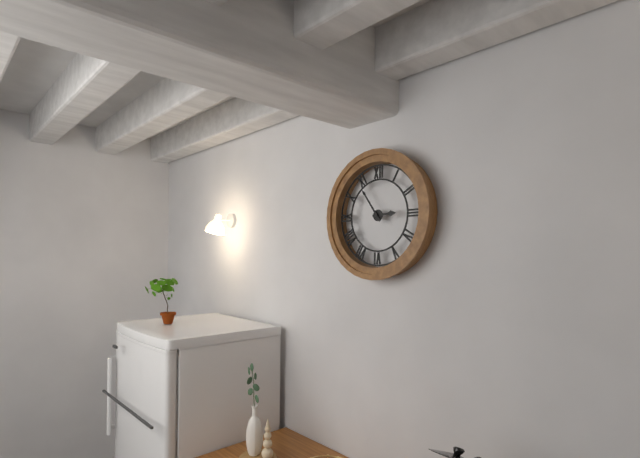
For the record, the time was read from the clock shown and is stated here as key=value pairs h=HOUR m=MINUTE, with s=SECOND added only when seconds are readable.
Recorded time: h=2 m=54
